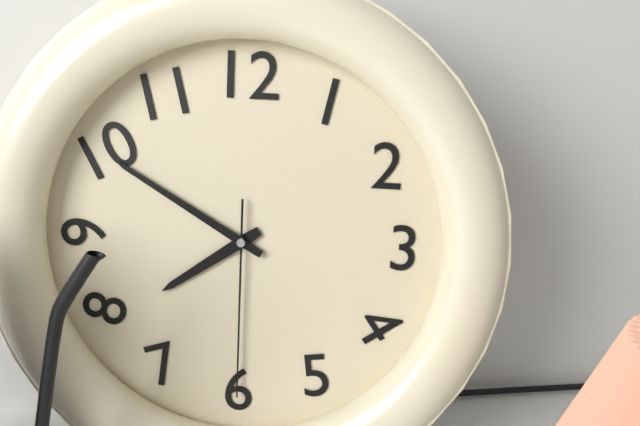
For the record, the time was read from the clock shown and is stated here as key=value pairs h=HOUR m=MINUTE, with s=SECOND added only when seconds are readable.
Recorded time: h=7 m=50 s=30
